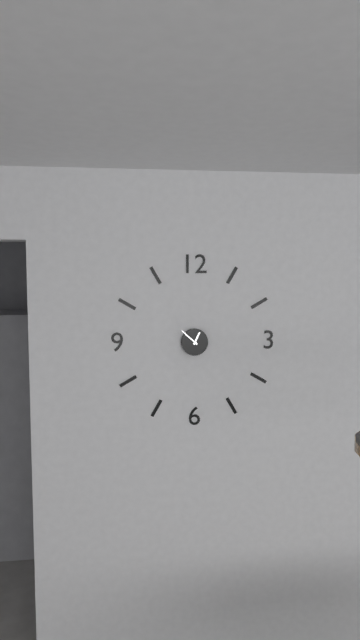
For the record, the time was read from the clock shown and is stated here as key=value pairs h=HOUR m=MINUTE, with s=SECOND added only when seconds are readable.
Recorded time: h=12 m=52
